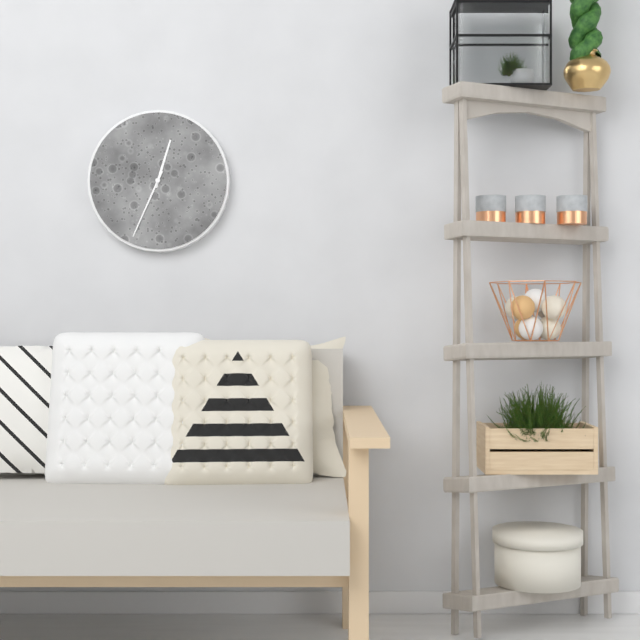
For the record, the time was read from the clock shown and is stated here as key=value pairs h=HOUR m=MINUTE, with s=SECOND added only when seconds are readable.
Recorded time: h=12 m=34
